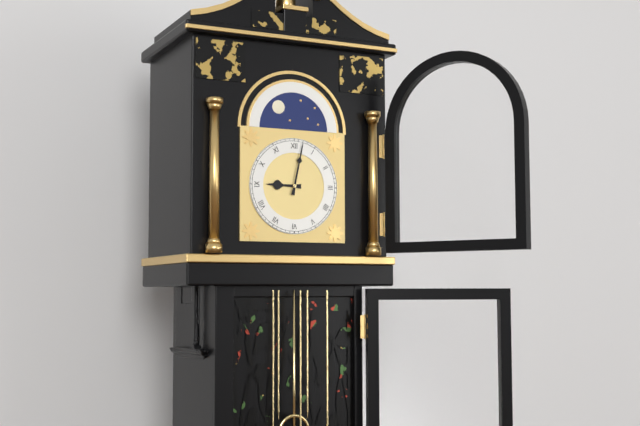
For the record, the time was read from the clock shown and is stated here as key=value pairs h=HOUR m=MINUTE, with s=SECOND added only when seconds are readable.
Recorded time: h=9 m=2
